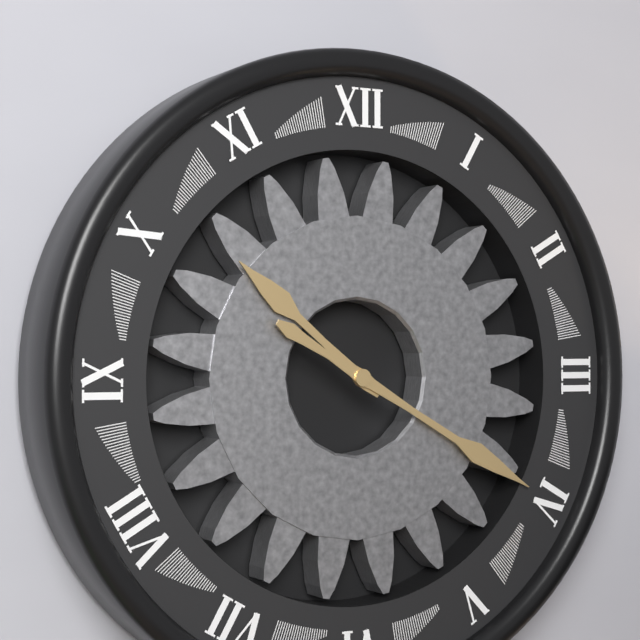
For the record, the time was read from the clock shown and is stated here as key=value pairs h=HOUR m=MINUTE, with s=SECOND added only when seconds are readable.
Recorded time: h=10 m=20
